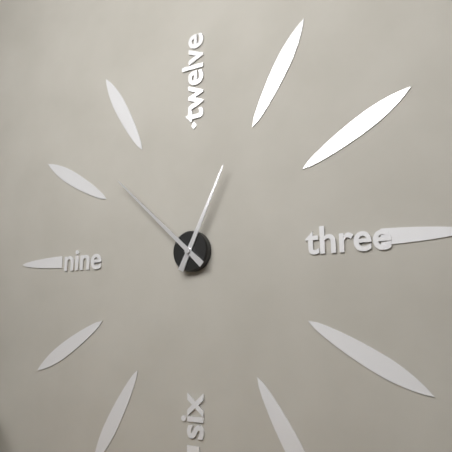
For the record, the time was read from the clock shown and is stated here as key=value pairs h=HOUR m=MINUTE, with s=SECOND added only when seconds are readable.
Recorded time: h=12 m=52
